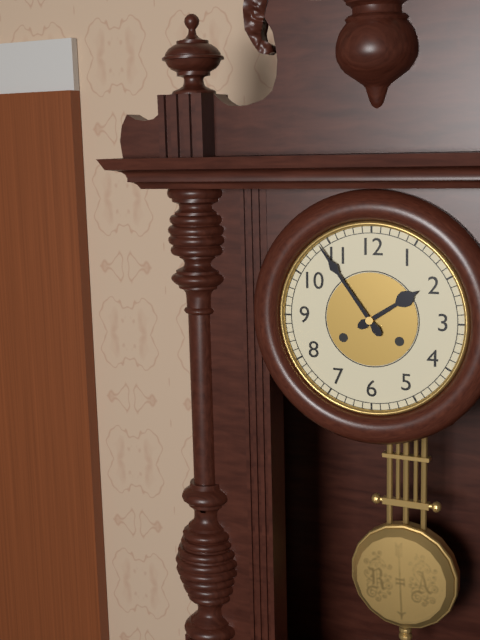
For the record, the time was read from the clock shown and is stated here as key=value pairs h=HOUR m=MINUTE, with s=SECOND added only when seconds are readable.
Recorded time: h=1 m=54
